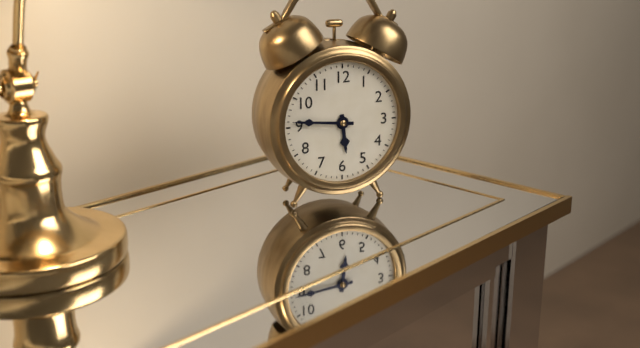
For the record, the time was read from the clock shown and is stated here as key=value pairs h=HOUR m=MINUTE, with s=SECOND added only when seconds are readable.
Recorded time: h=5 m=46
